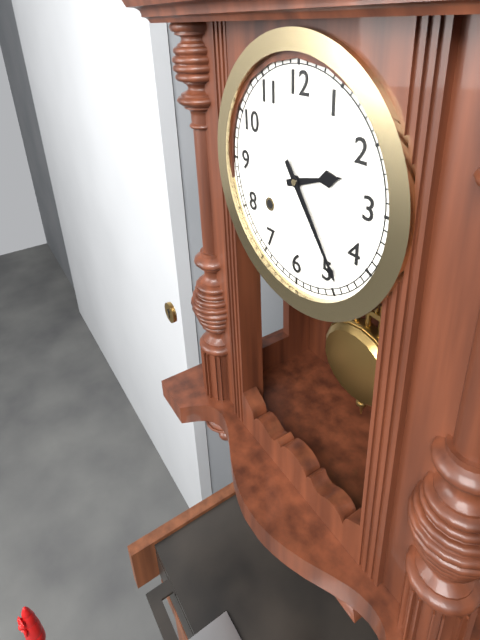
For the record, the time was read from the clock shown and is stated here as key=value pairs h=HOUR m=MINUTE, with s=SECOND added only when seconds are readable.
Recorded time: h=2 m=24
